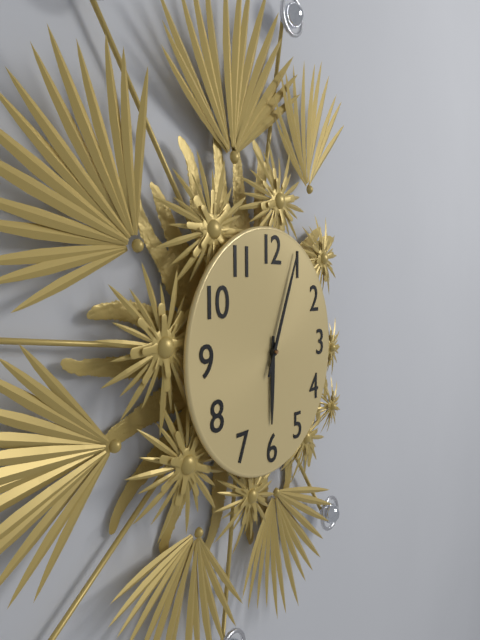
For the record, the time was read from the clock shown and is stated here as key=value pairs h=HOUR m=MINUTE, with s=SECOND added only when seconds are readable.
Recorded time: h=6 m=4
